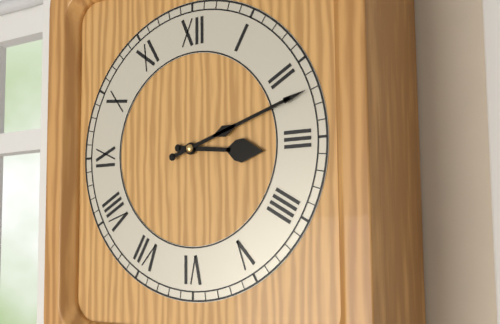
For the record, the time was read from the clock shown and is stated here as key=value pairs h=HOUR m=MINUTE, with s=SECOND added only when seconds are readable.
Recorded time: h=3 m=12
